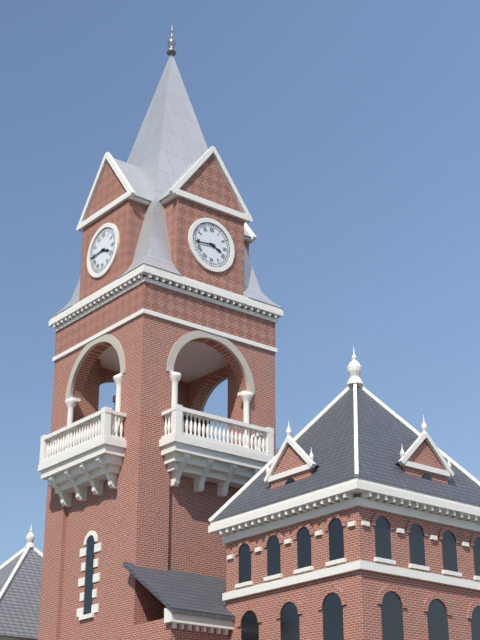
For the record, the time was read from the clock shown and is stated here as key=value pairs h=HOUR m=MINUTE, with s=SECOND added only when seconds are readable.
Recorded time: h=3 m=44
